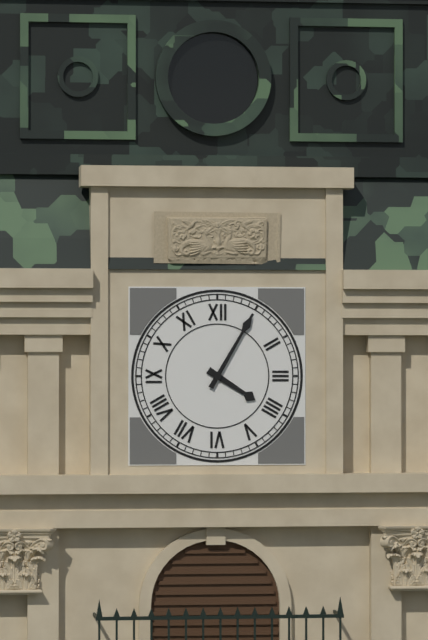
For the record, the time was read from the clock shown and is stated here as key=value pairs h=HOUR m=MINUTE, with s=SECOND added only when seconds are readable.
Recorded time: h=4 m=5
